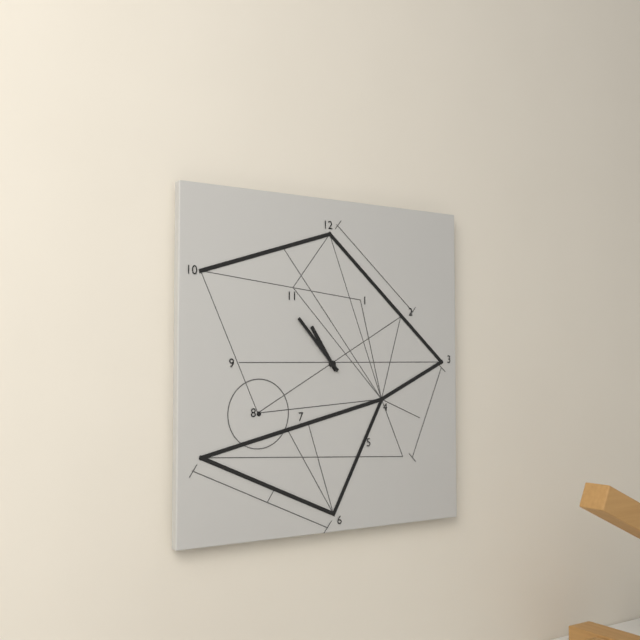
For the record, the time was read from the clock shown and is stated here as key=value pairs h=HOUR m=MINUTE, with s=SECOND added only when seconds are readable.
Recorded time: h=10 m=53
